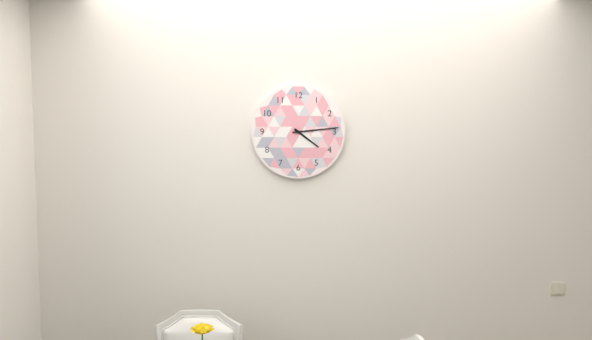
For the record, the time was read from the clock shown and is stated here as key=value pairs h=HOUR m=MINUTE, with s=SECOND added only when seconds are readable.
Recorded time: h=4 m=14
